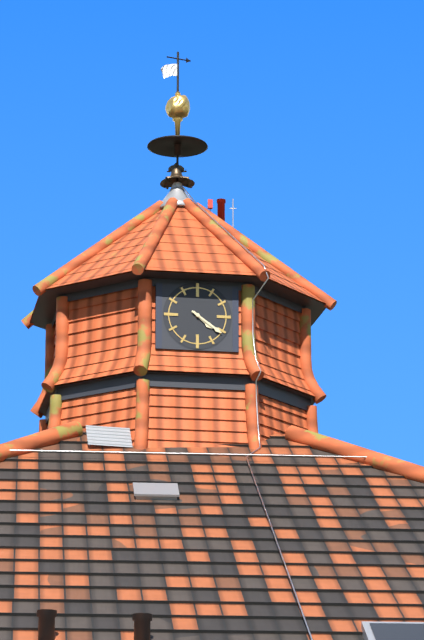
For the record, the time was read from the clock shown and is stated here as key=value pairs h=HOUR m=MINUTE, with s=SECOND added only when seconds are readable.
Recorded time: h=4 m=21
